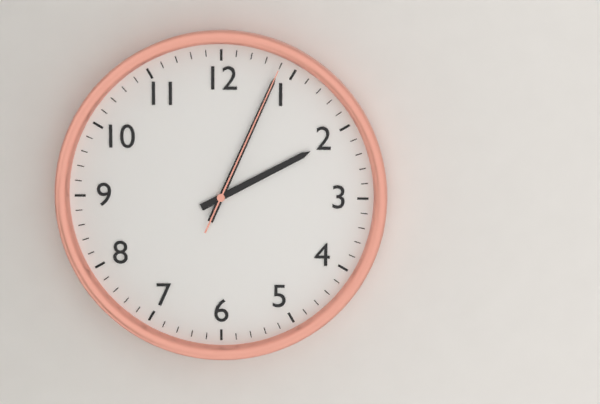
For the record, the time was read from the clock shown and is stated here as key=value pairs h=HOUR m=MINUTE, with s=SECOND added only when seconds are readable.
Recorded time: h=2 m=4 s=4
